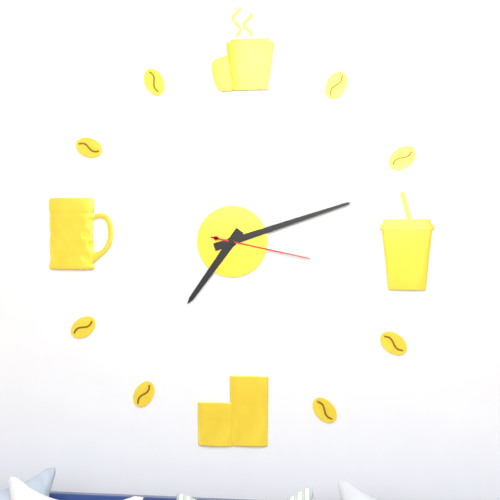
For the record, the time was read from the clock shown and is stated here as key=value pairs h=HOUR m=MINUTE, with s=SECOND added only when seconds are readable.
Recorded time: h=7 m=12 s=17
